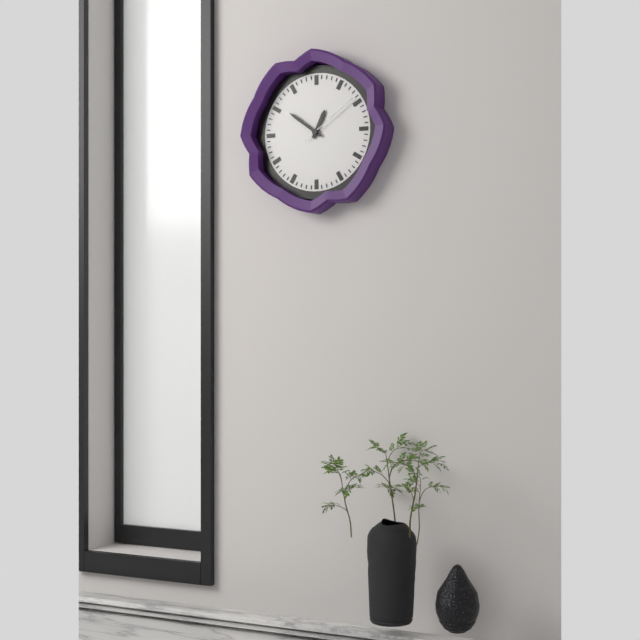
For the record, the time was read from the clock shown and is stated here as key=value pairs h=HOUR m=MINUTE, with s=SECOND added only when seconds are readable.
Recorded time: h=12 m=51 s=9
